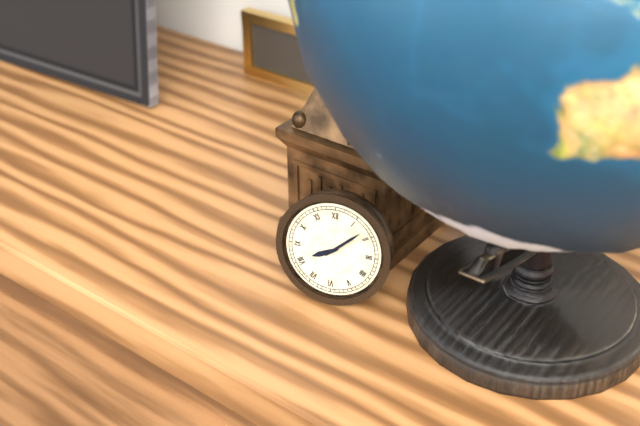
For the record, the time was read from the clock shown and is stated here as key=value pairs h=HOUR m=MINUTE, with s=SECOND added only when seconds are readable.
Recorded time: h=8 m=8
